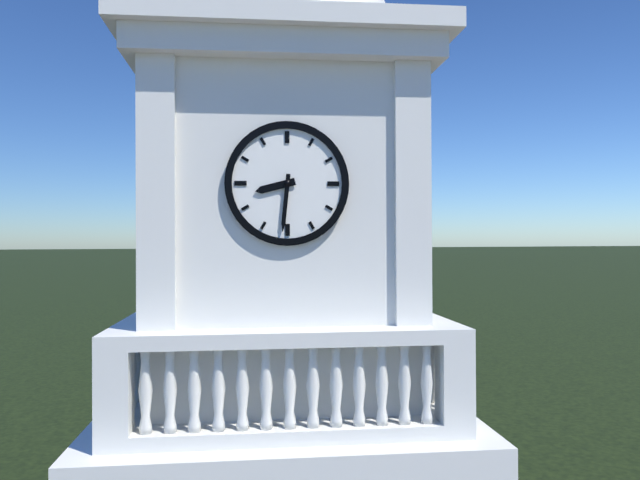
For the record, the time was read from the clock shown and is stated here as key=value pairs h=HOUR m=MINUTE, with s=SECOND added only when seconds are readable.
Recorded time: h=8 m=31
